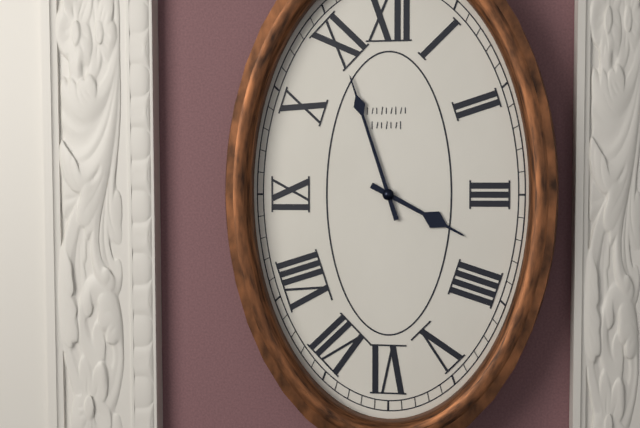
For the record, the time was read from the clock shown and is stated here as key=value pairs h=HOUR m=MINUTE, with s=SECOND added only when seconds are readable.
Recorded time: h=3 m=57
